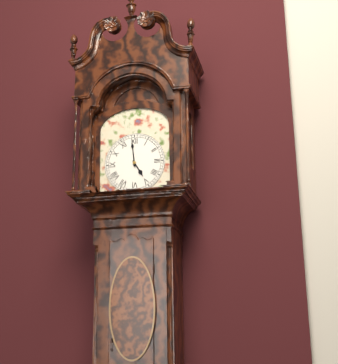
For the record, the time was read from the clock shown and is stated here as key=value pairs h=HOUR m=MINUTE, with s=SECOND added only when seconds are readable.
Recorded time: h=4 m=59
